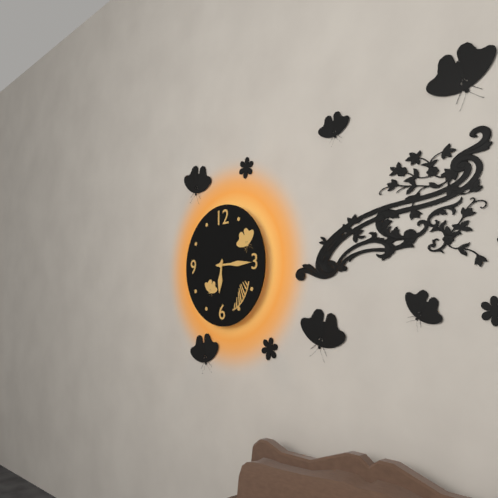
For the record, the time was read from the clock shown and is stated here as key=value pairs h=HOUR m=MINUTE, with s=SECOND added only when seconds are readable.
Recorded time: h=6 m=15
